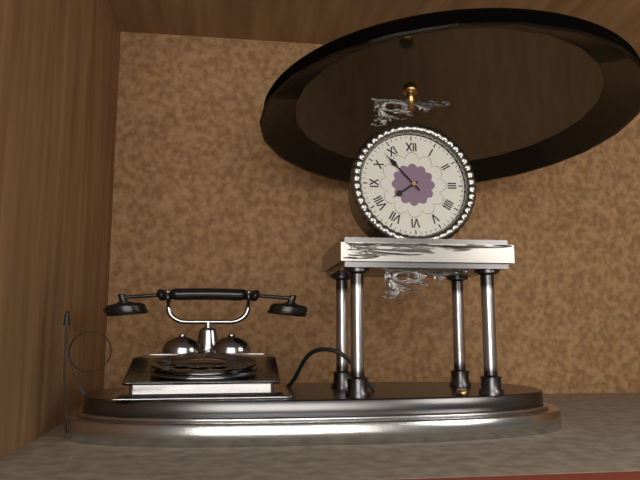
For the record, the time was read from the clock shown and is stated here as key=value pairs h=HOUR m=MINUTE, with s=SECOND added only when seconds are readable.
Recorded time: h=7 m=53
